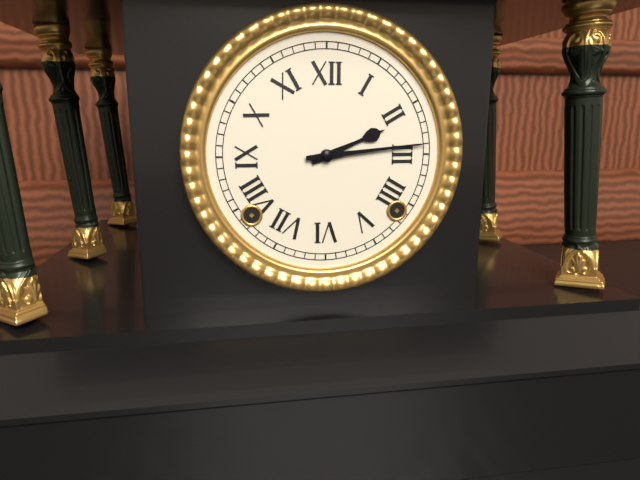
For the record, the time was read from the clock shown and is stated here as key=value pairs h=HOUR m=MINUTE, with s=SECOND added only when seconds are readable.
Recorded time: h=2 m=14
